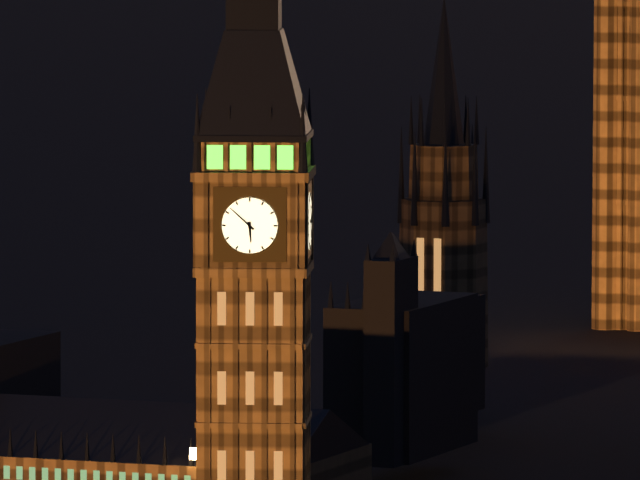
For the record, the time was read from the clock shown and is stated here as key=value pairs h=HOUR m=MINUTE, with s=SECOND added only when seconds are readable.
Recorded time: h=5 m=52
